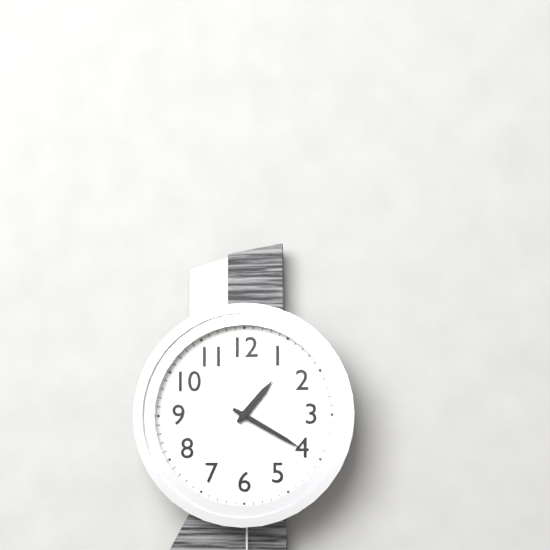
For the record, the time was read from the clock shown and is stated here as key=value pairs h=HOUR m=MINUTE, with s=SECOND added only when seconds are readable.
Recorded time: h=1 m=20
